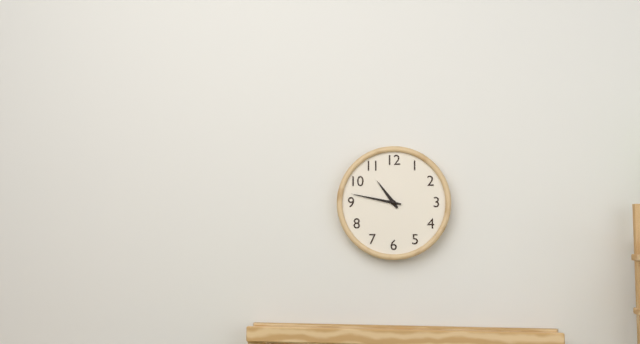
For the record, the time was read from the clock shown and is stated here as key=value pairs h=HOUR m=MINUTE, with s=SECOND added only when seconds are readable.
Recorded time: h=10 m=47
